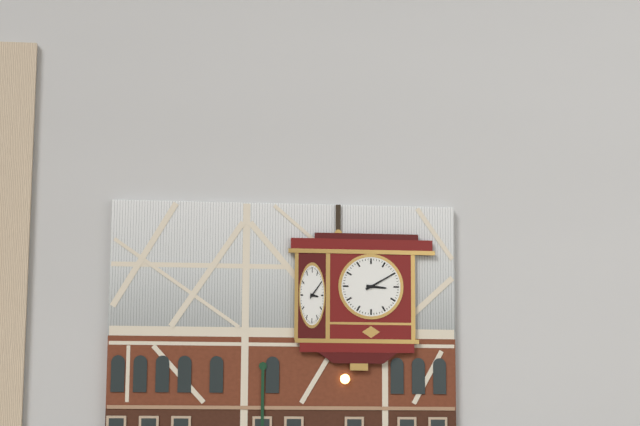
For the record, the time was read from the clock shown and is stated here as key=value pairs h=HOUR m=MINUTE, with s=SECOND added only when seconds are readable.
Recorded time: h=3 m=10
